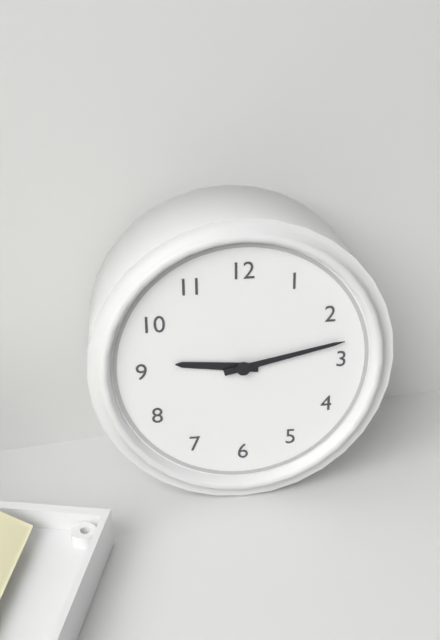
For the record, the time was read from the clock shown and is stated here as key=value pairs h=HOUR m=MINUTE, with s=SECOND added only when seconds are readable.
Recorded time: h=9 m=13
